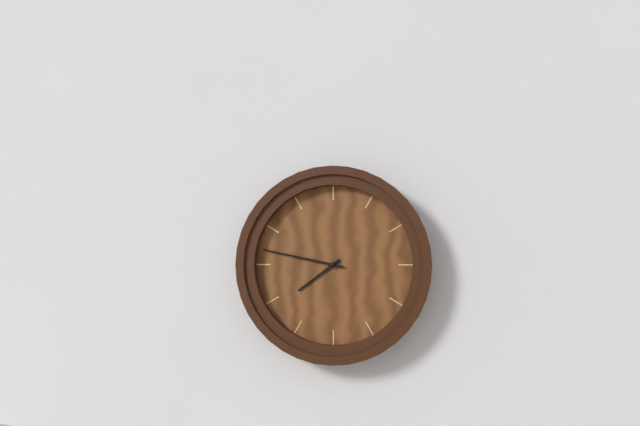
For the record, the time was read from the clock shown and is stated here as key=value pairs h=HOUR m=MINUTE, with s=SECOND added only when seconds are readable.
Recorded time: h=7 m=47
